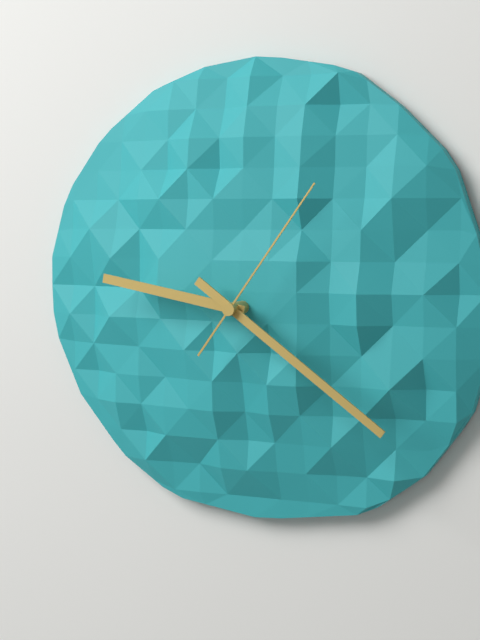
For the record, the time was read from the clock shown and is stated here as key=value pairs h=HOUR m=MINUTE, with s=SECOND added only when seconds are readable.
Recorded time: h=9 m=21 s=6
